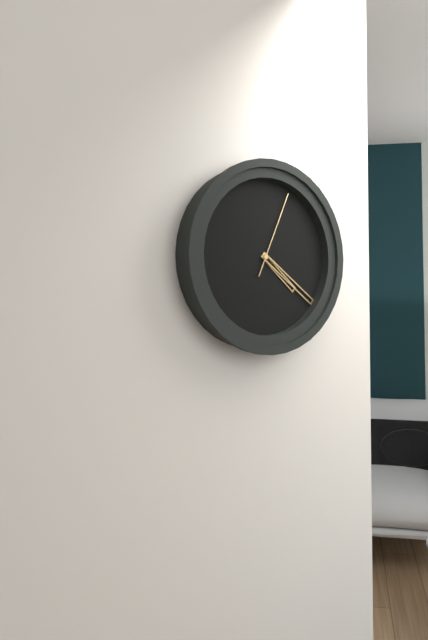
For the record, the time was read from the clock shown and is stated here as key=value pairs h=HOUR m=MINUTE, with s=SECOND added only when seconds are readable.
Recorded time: h=4 m=21 s=4
